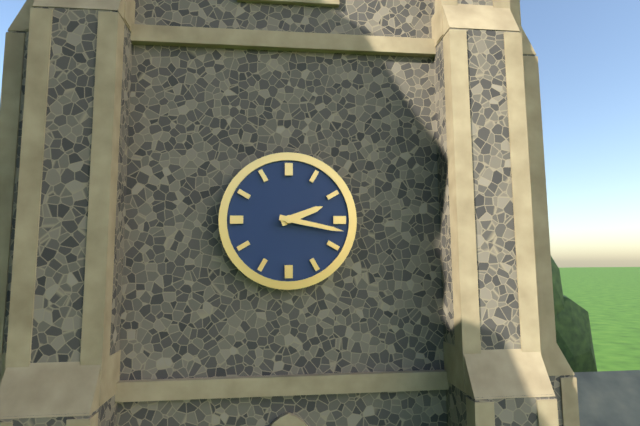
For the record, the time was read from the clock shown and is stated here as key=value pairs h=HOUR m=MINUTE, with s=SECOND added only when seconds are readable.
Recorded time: h=2 m=17
